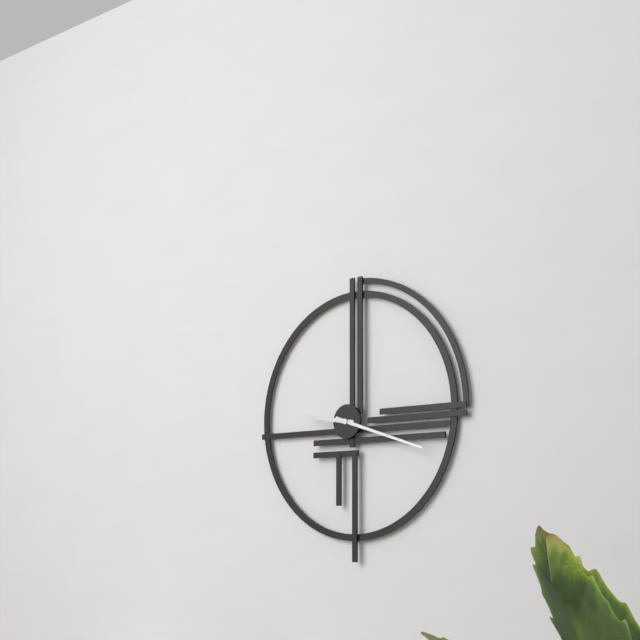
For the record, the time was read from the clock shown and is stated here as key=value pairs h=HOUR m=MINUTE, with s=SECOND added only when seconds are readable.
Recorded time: h=9 m=18
